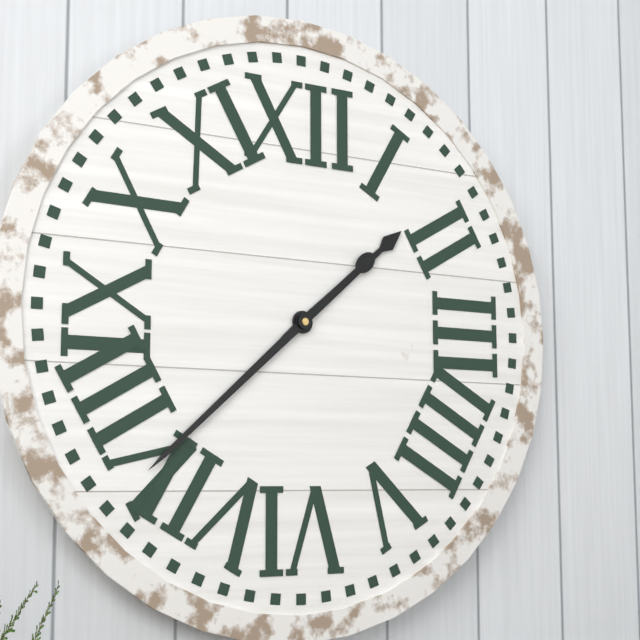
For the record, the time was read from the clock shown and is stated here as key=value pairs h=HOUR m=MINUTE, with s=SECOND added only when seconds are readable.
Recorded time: h=1 m=38
